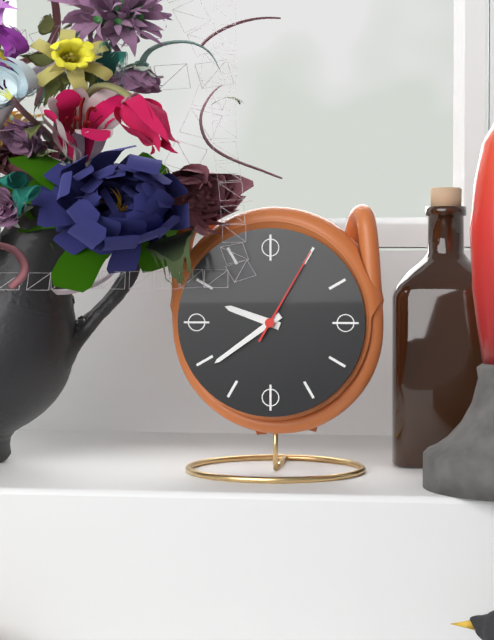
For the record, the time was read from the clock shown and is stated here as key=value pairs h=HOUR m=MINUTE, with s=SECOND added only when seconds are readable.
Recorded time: h=9 m=39 s=5
